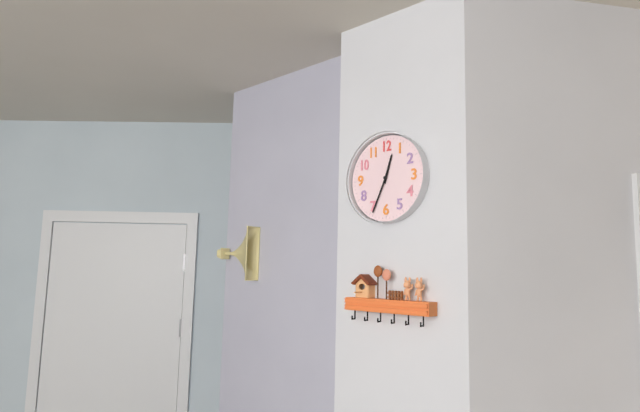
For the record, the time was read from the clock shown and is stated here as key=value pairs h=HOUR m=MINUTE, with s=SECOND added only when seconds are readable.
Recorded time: h=12 m=34
